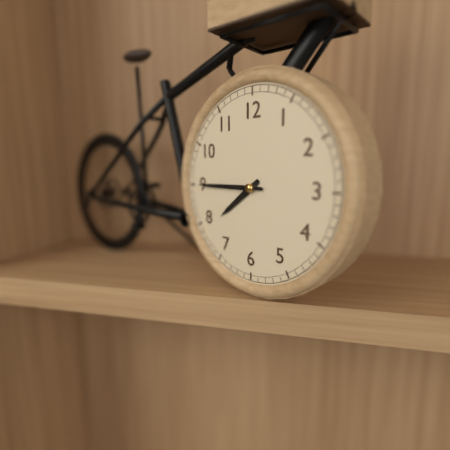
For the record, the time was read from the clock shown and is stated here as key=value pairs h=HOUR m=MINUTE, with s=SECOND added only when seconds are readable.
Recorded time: h=7 m=45
